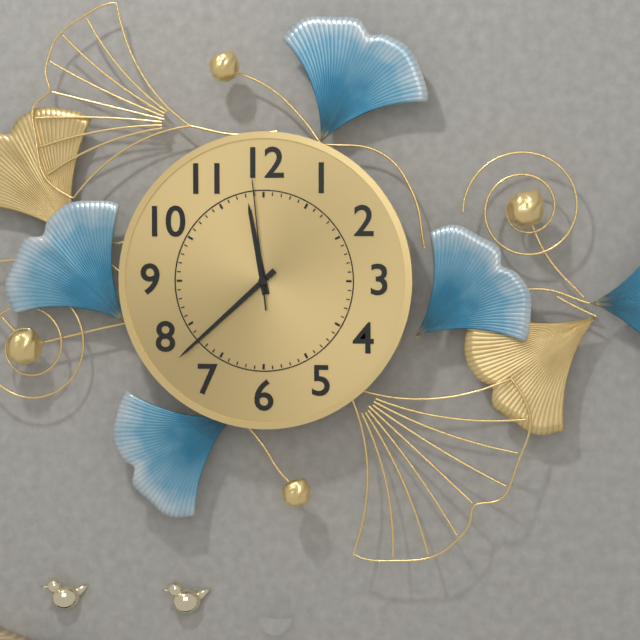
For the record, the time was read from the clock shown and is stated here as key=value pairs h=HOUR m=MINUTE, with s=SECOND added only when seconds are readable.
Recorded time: h=11 m=38 s=59
